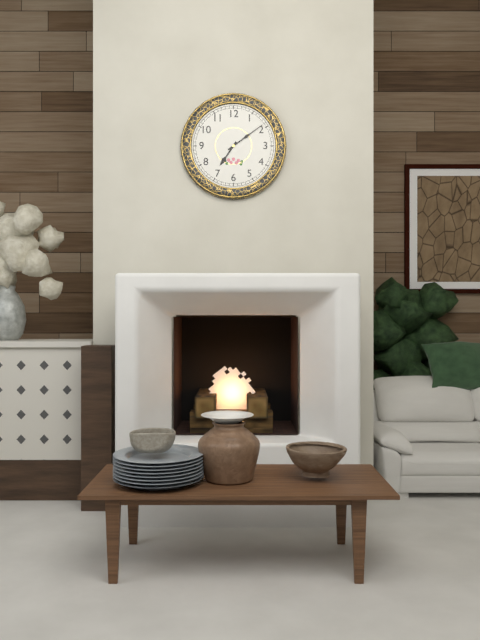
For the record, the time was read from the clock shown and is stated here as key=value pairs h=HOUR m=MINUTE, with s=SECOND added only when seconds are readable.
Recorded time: h=7 m=9
